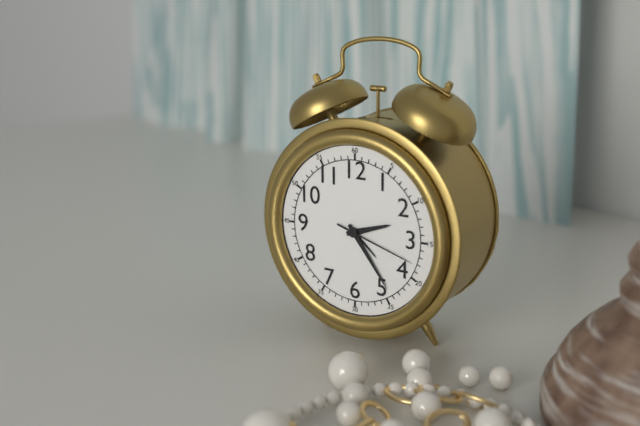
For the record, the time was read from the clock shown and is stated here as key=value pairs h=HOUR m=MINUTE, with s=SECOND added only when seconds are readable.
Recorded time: h=2 m=24 s=18
